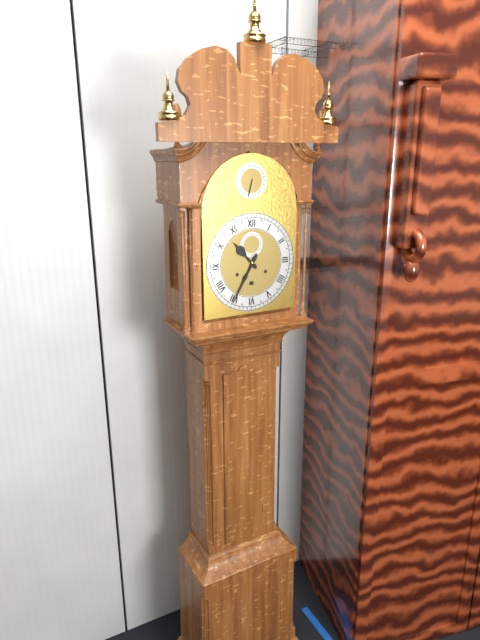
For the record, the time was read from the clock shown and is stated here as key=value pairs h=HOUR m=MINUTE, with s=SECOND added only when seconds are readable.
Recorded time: h=10 m=35
